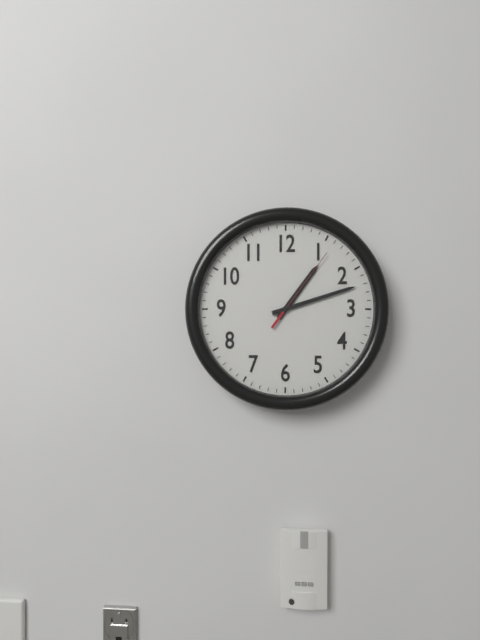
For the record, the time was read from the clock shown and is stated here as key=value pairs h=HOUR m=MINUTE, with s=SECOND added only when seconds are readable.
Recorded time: h=1 m=12 s=6
